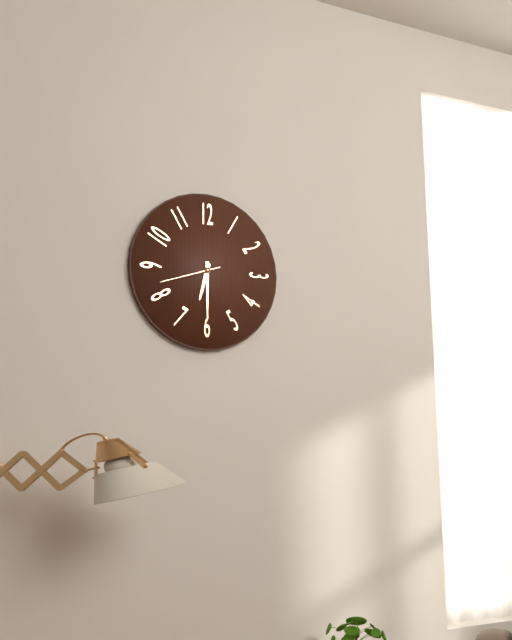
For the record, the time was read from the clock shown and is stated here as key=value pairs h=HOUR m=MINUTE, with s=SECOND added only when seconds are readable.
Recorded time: h=6 m=30 s=42
